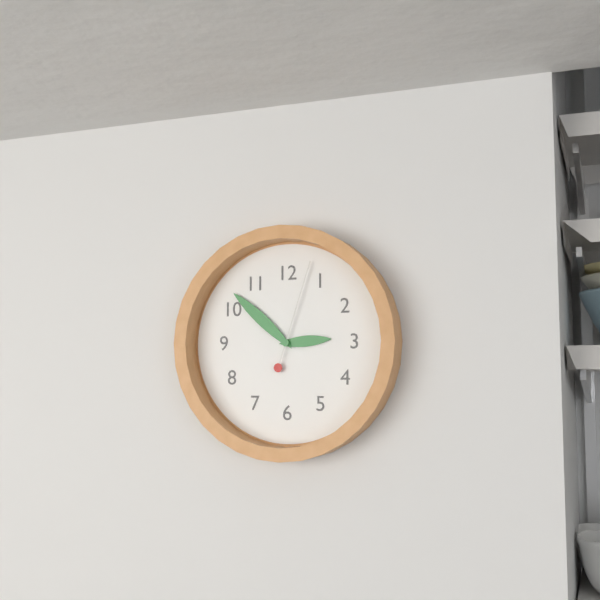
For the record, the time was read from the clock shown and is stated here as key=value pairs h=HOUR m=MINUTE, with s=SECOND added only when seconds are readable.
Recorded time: h=2 m=52 s=3
